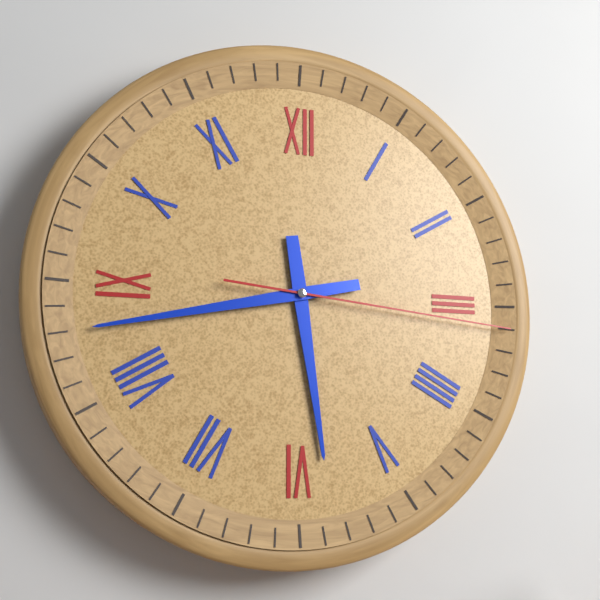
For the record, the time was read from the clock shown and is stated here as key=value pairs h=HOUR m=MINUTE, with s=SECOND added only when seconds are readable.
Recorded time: h=5 m=43 s=16
